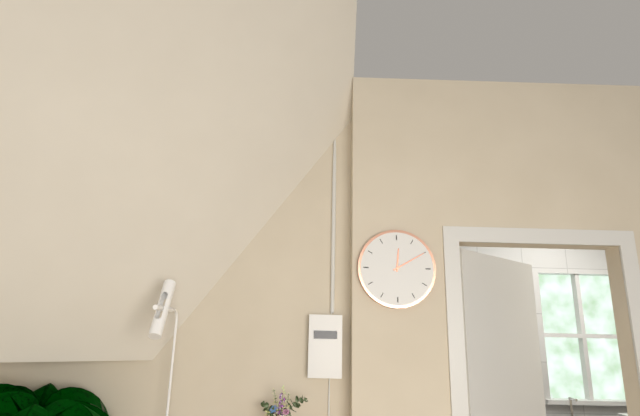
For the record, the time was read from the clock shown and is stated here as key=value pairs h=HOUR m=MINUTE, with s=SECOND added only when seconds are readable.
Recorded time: h=12 m=10
